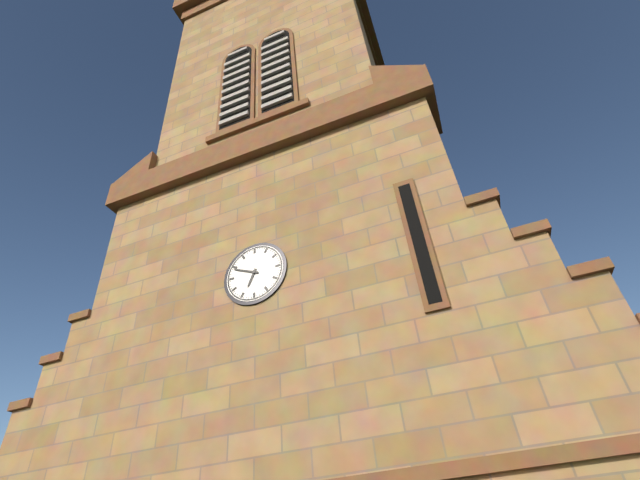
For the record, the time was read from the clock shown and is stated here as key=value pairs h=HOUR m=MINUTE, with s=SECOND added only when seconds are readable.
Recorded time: h=6 m=49
